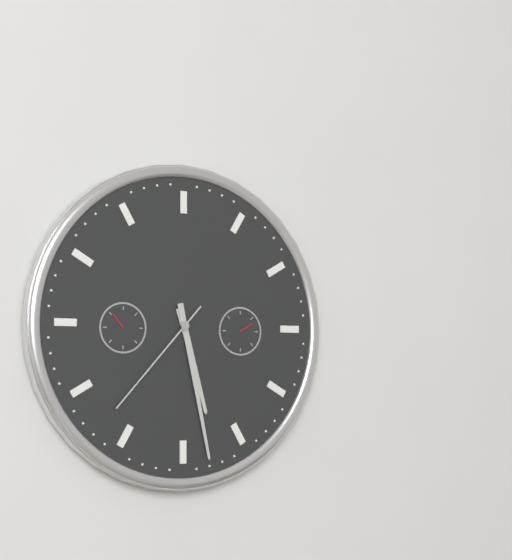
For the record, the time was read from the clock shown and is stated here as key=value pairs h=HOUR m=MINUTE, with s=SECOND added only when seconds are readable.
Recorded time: h=5 m=28 s=37
